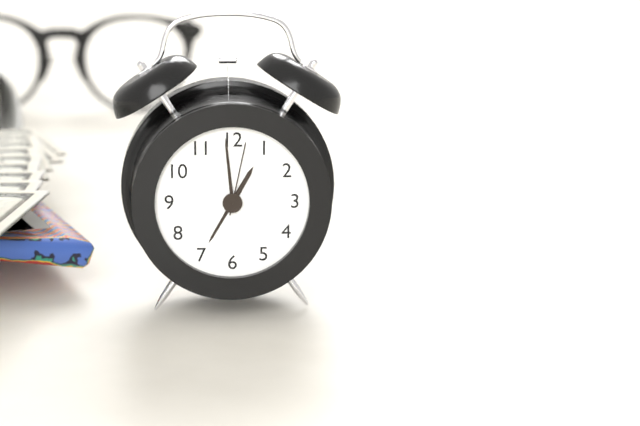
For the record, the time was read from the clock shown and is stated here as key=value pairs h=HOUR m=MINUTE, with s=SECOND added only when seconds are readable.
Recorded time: h=12 m=59 s=2
